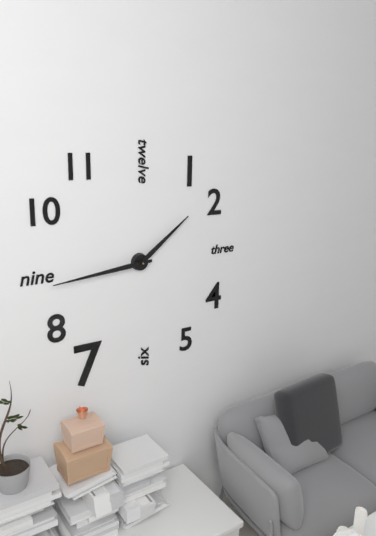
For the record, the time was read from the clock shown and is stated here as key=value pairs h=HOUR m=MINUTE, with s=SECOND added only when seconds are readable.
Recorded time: h=1 m=44
